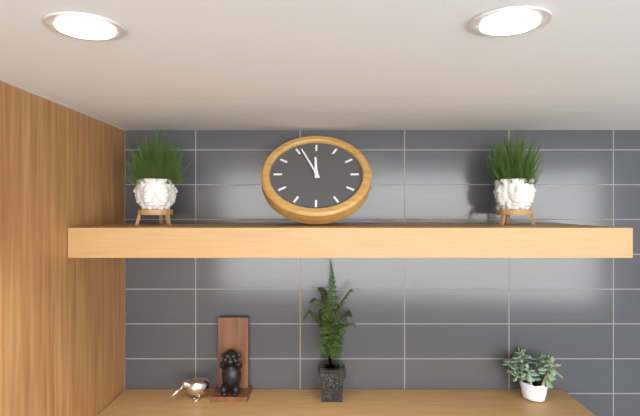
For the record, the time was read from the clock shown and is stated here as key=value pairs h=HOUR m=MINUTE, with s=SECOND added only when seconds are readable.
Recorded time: h=11 m=56
